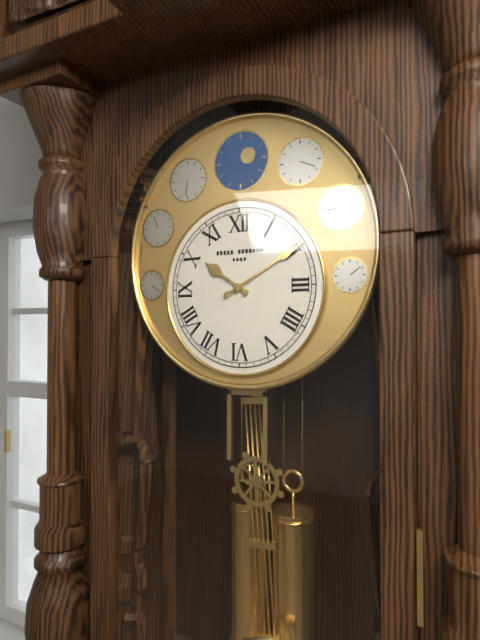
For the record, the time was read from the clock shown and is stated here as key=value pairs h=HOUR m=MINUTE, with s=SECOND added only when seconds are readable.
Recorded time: h=10 m=10
